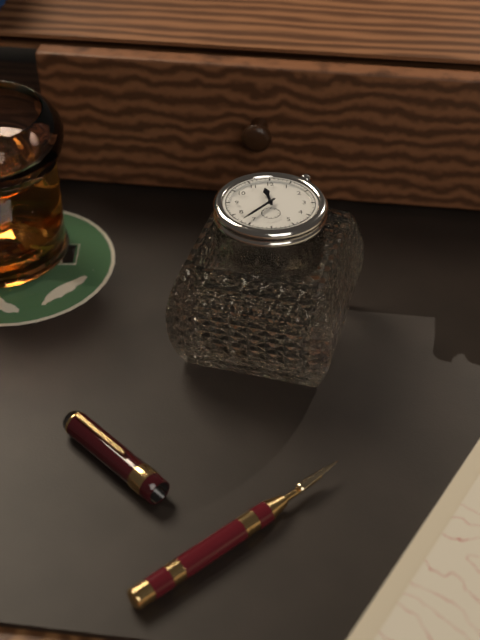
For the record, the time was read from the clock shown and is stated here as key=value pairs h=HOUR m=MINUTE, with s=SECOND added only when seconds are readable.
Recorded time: h=11 m=37
